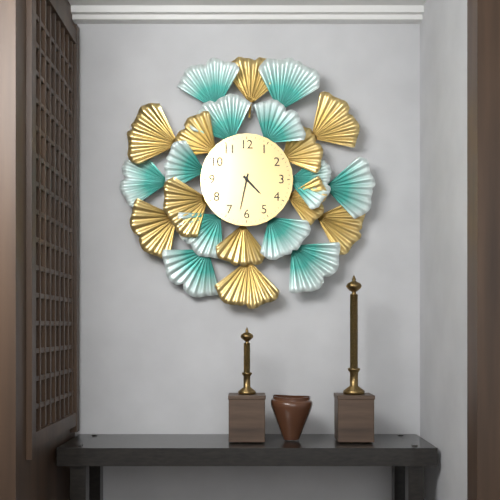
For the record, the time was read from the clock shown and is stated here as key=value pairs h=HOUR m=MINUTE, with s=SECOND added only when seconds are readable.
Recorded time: h=4 m=32
